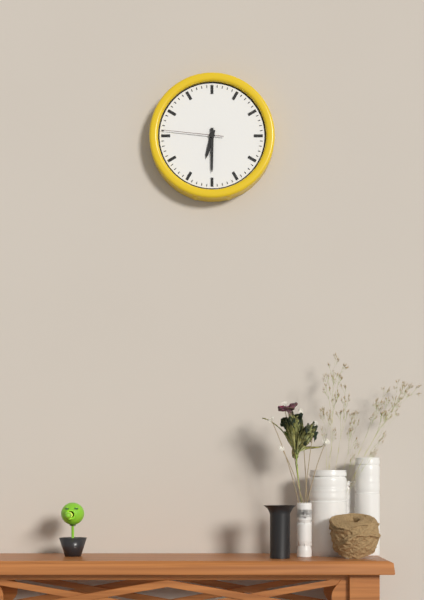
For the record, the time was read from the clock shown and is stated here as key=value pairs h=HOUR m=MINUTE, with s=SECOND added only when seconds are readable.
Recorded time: h=6 m=30 s=46
